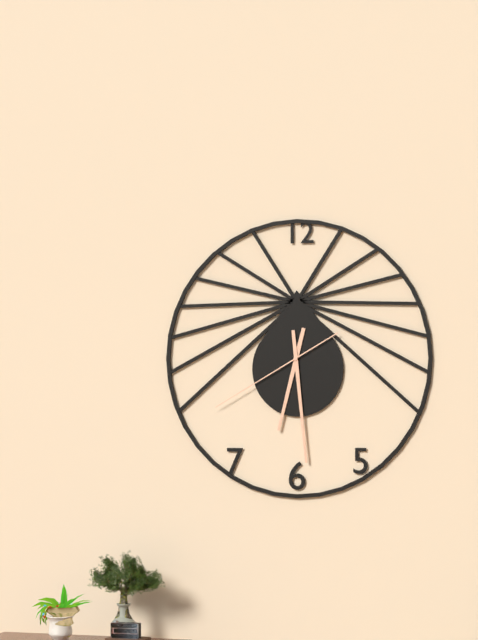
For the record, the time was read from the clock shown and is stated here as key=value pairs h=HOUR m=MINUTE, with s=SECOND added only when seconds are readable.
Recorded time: h=6 m=29 s=40
